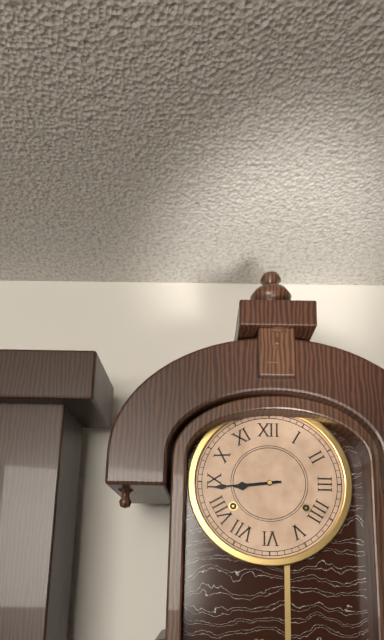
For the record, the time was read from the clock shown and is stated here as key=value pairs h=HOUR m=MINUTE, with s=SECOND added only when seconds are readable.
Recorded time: h=8 m=44
